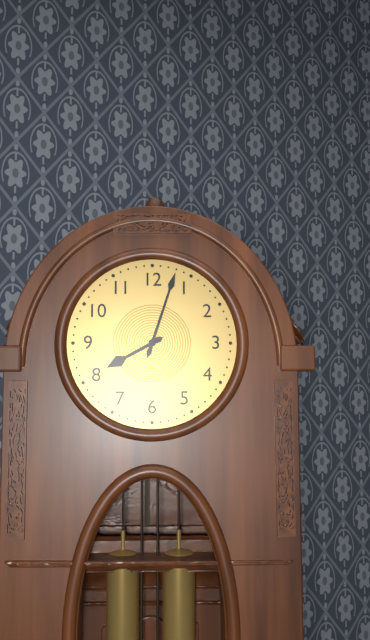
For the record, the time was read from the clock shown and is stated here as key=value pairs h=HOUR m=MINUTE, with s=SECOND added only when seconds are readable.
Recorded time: h=8 m=3
